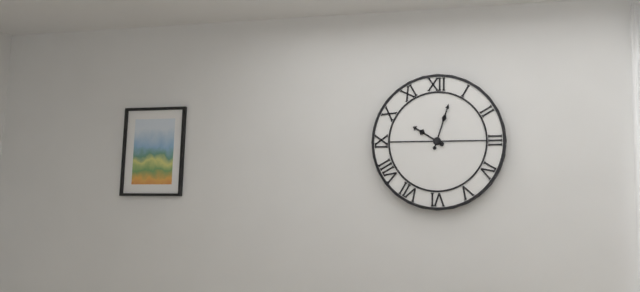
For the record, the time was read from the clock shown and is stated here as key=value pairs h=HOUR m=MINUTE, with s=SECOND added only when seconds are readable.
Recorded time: h=10 m=3
